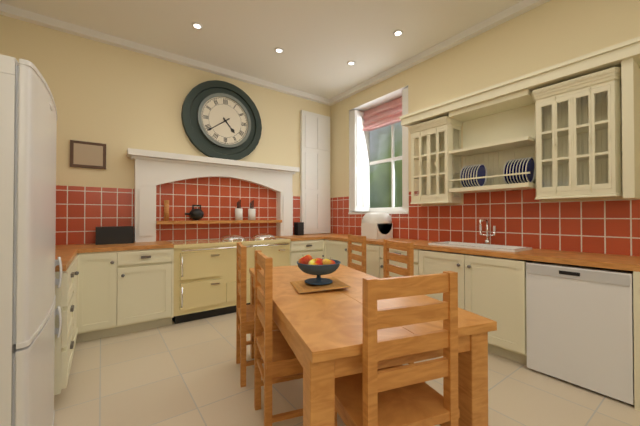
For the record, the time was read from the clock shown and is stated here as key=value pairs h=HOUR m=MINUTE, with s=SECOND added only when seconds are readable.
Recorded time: h=4 m=39
